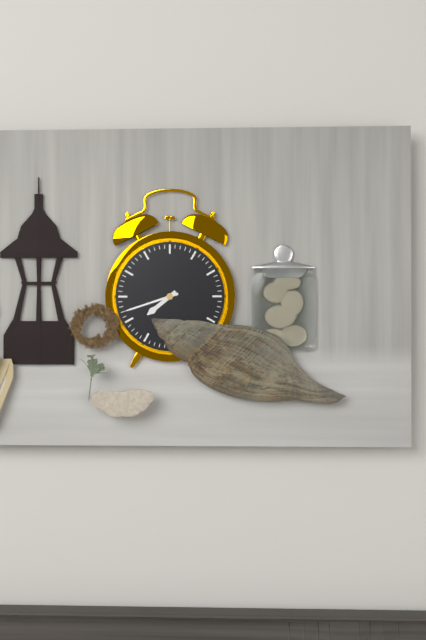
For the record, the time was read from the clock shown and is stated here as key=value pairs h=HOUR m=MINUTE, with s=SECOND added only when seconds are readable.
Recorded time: h=7 m=42
